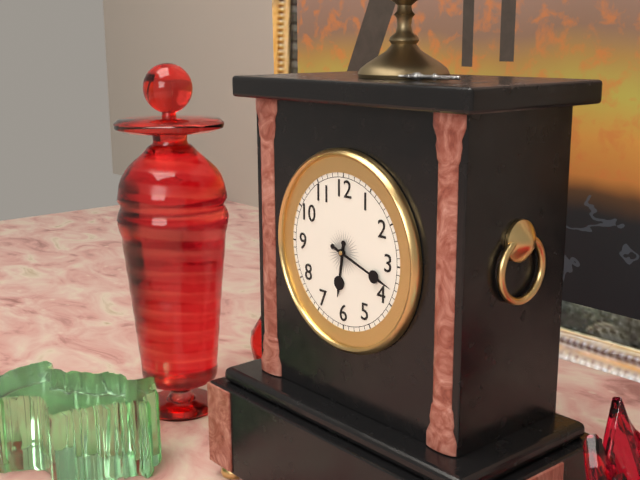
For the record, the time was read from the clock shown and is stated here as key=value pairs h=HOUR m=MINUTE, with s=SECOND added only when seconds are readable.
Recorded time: h=6 m=18
